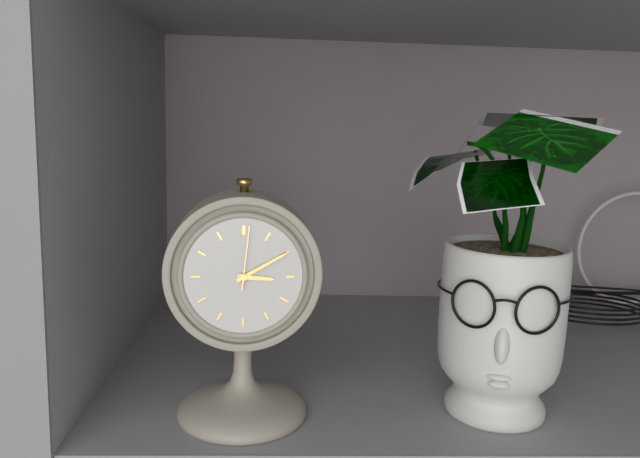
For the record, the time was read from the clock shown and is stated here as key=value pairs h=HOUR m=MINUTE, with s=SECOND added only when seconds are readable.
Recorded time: h=3 m=10 s=1
